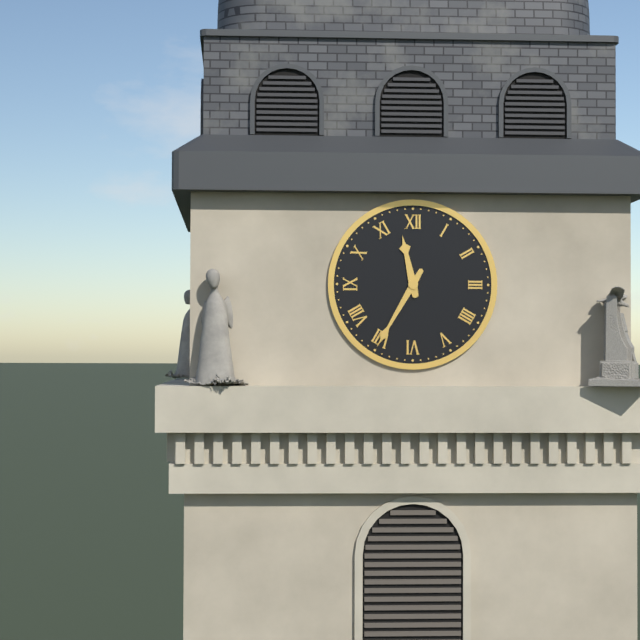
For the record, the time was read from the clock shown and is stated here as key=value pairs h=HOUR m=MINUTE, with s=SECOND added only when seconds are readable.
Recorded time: h=11 m=35
